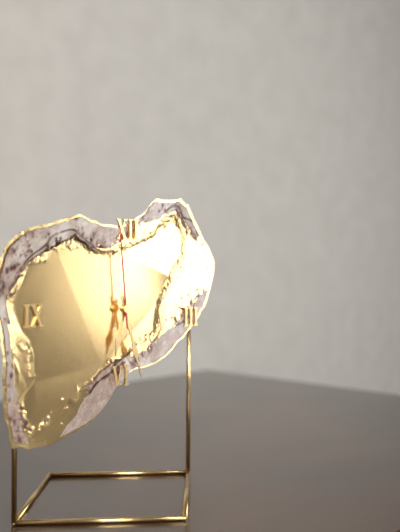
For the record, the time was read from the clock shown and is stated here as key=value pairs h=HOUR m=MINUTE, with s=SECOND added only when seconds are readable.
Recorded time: h=6 m=27 s=59
